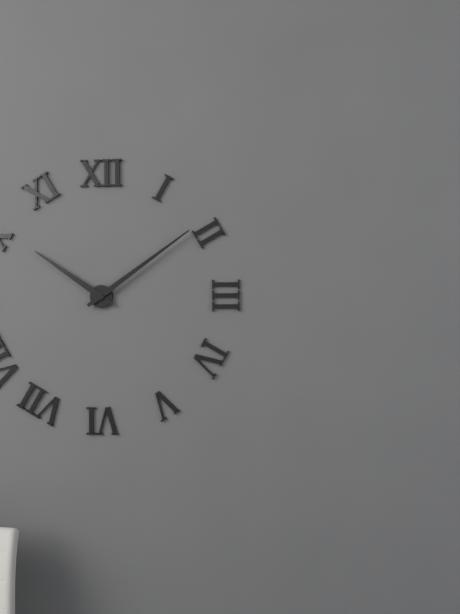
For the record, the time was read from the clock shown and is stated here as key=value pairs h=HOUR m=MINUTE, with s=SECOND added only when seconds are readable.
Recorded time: h=10 m=9
